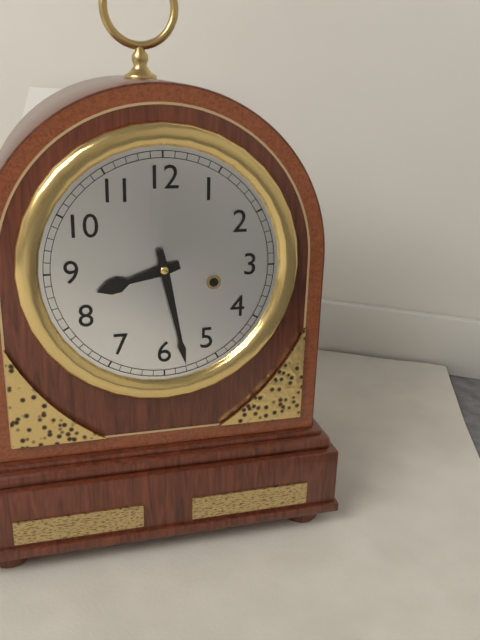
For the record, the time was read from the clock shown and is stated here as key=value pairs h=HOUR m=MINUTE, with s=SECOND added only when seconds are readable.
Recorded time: h=8 m=28
